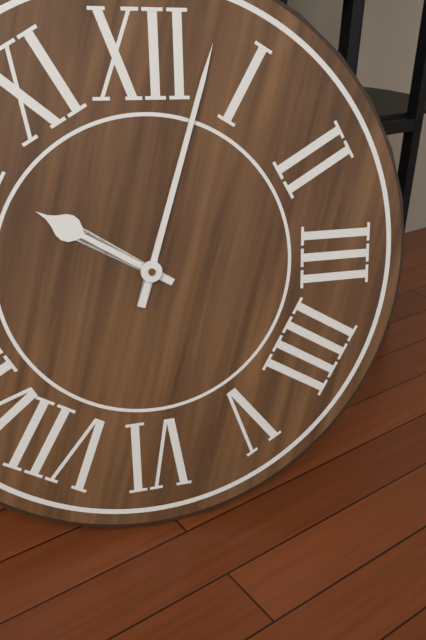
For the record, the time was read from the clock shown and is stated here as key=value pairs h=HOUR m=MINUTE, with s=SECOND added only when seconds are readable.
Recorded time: h=10 m=3
